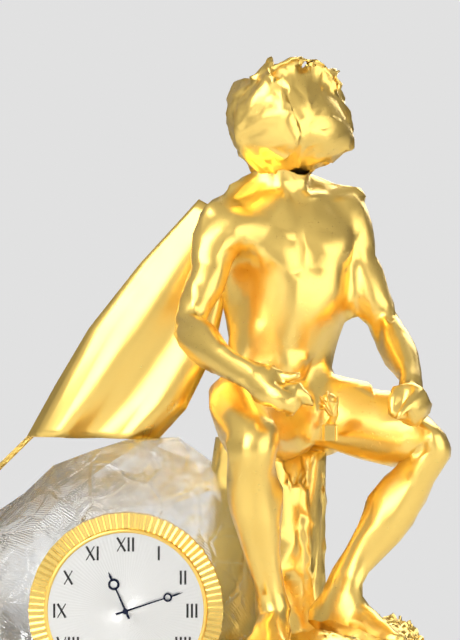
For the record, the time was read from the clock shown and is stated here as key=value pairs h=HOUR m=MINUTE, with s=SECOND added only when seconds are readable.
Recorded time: h=11 m=12
